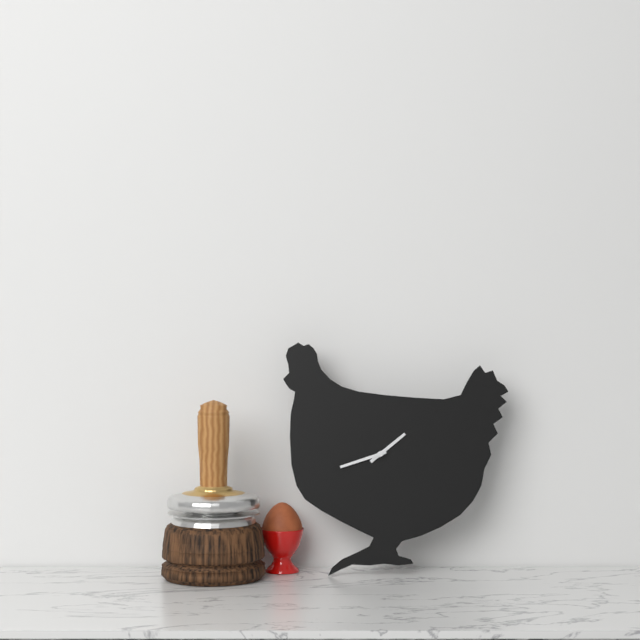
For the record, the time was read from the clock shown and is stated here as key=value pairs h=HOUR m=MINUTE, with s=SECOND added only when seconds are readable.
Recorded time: h=1 m=42
